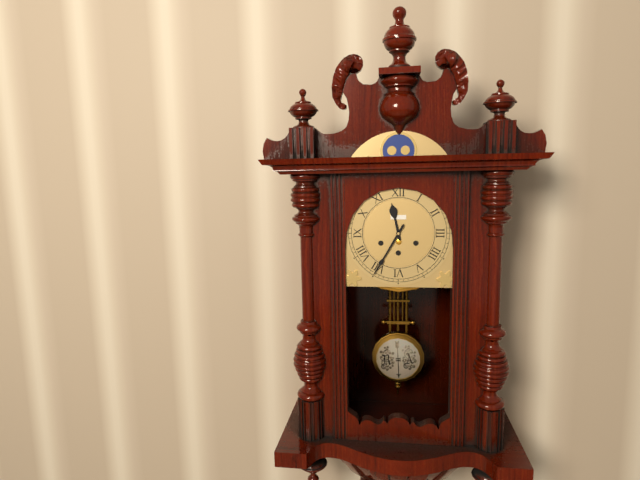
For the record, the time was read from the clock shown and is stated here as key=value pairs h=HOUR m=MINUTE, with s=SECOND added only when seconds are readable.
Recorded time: h=11 m=35
